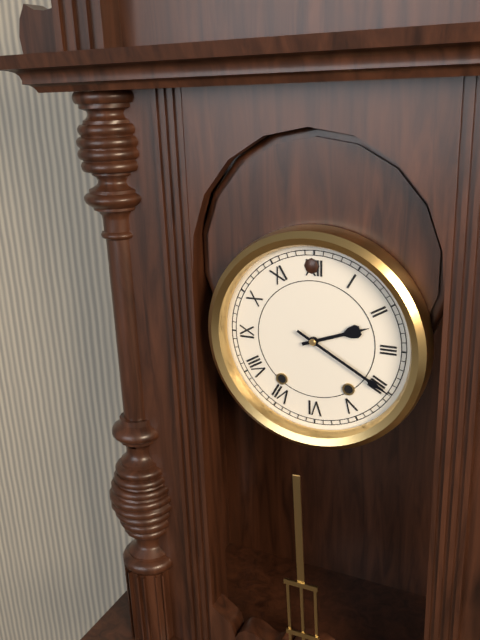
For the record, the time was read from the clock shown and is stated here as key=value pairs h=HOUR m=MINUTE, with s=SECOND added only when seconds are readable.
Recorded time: h=2 m=20
